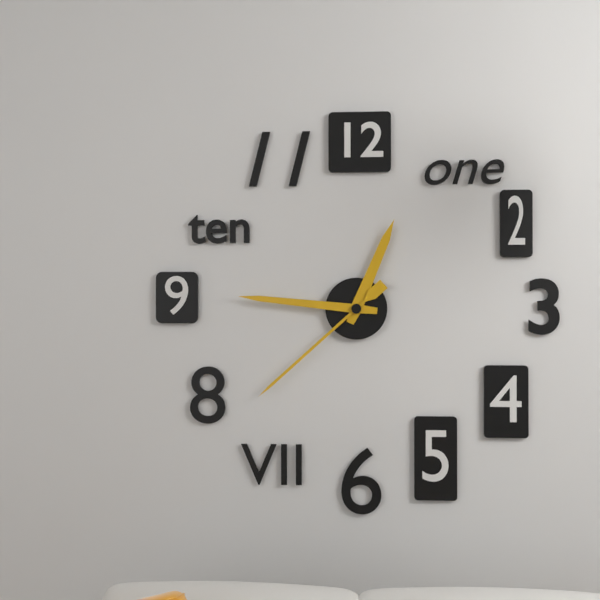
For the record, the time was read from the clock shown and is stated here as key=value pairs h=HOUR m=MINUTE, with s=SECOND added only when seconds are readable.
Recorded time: h=12 m=46 s=38
